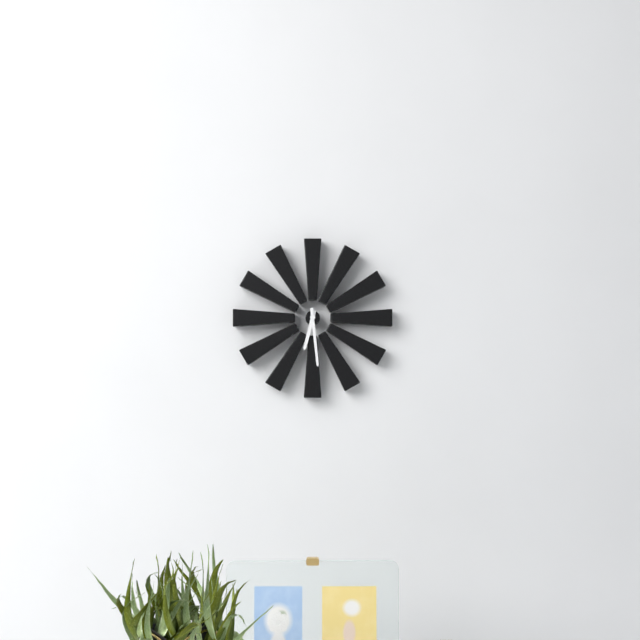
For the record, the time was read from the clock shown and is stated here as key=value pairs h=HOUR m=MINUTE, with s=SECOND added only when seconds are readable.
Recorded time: h=6 m=29
